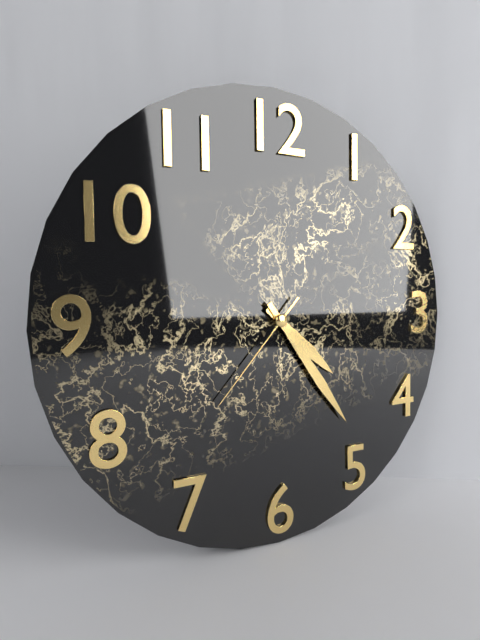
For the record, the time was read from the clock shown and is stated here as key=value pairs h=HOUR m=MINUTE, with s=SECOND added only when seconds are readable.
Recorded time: h=4 m=24 s=37
